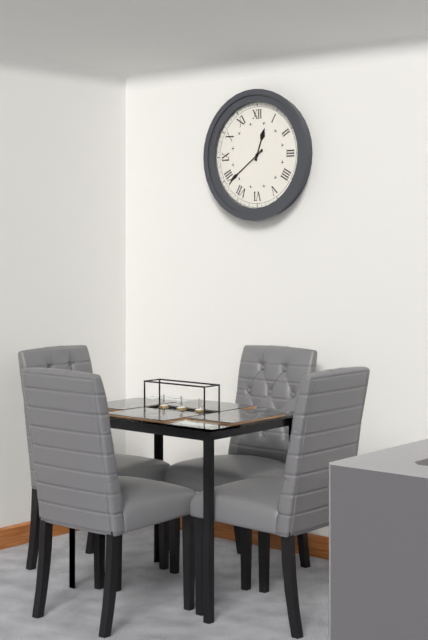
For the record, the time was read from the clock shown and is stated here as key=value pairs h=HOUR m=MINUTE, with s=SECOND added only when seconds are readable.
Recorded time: h=12 m=39
